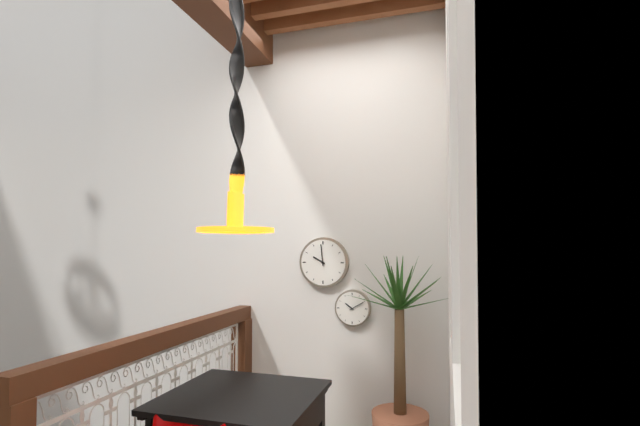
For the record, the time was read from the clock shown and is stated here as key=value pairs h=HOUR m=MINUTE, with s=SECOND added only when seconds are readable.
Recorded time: h=9 m=59
